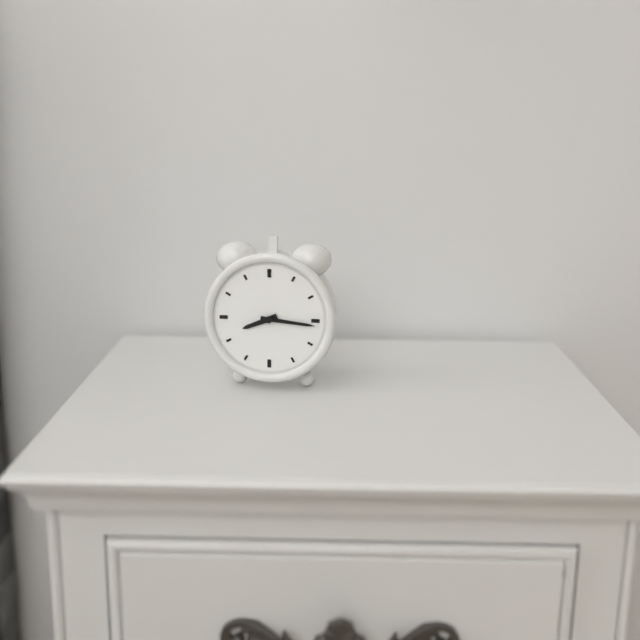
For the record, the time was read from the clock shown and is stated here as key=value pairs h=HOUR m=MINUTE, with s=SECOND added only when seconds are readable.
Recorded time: h=8 m=16
